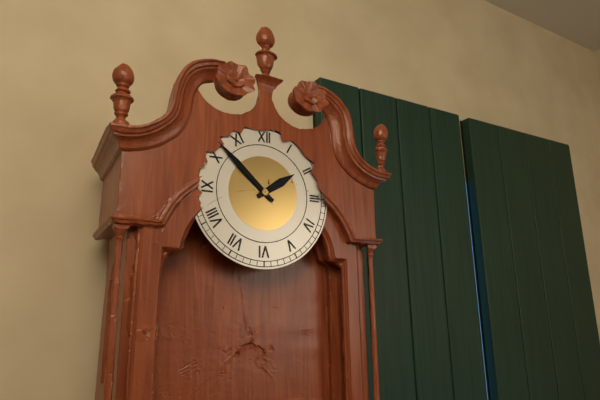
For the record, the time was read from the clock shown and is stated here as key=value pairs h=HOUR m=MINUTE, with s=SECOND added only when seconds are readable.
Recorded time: h=1 m=52
